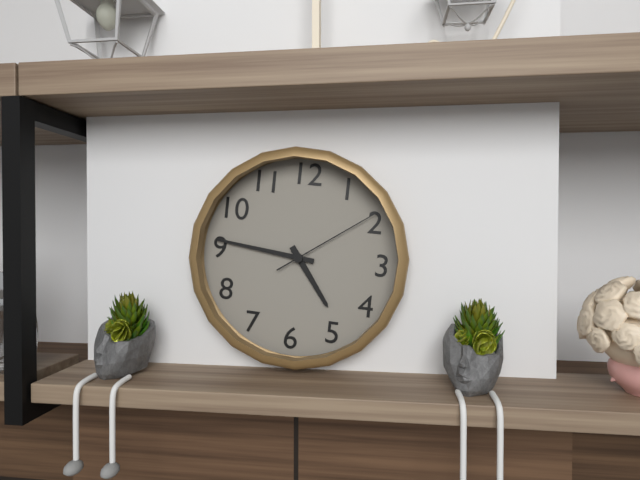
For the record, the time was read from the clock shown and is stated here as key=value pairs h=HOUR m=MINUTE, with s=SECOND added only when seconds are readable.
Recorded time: h=4 m=46 s=9
